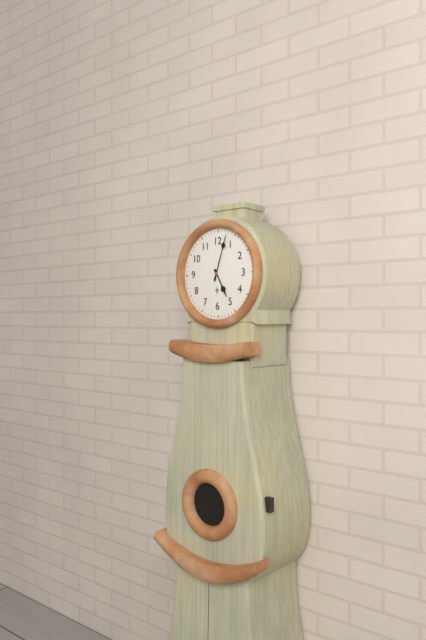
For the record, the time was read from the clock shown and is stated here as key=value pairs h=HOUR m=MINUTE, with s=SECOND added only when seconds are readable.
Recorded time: h=5 m=3
